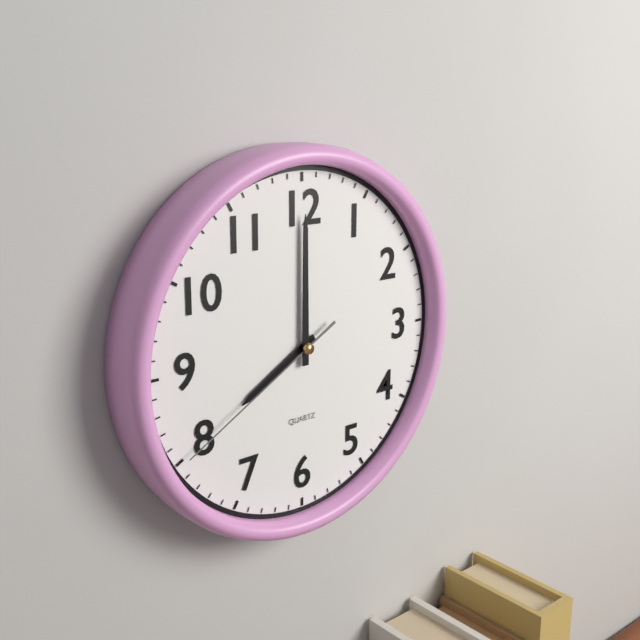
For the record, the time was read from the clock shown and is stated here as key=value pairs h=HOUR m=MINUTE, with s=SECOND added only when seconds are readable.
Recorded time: h=8 m=0 s=40
